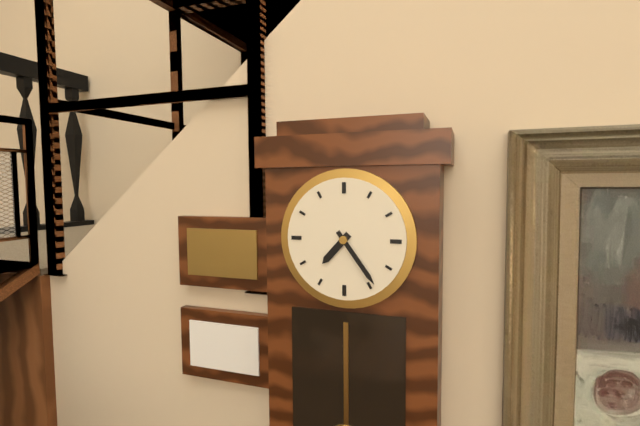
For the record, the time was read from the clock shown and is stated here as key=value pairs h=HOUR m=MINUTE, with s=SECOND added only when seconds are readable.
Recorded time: h=7 m=24
